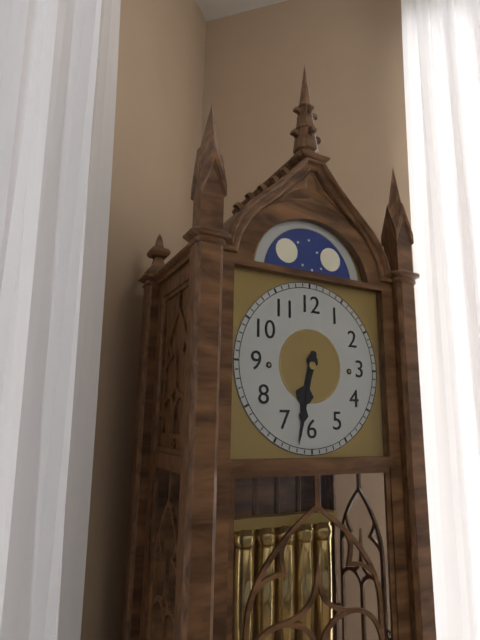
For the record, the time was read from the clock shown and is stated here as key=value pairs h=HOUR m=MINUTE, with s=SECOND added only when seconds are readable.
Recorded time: h=6 m=32
